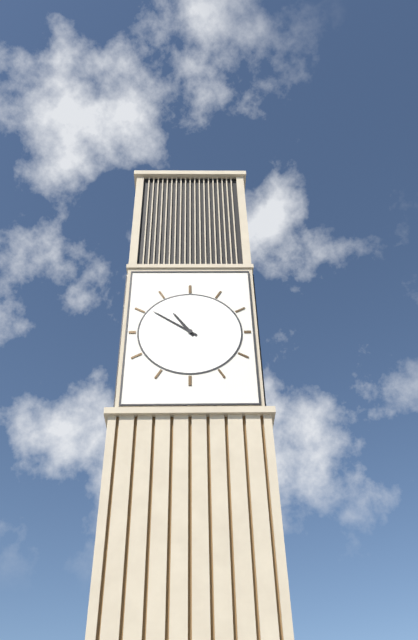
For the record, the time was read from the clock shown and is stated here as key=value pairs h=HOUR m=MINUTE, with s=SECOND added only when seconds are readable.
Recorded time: h=10 m=51
